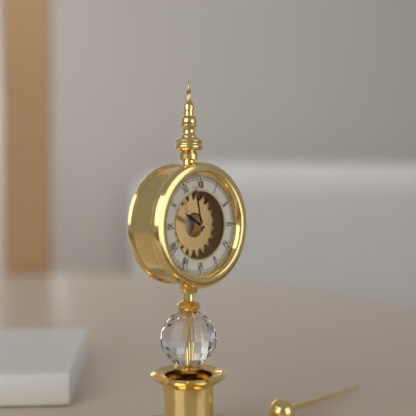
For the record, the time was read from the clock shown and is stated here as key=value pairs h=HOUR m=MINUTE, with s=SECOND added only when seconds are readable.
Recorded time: h=9 m=58
